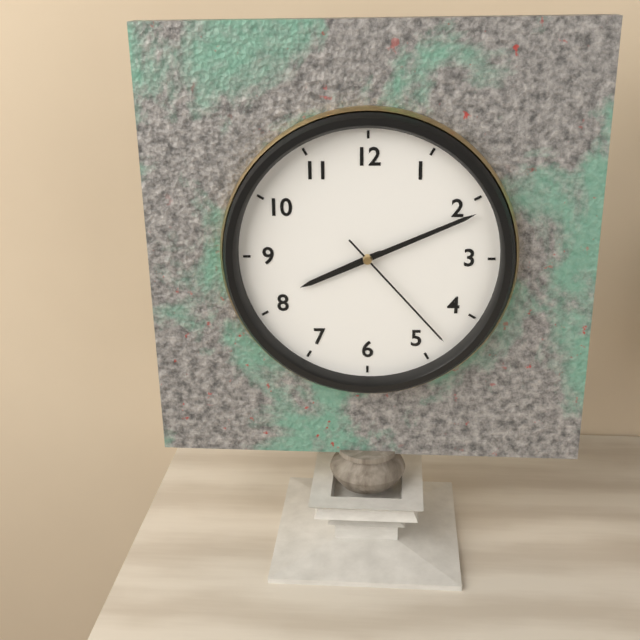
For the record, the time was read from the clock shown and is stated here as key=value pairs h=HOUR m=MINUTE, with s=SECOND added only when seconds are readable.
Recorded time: h=8 m=11 s=23
